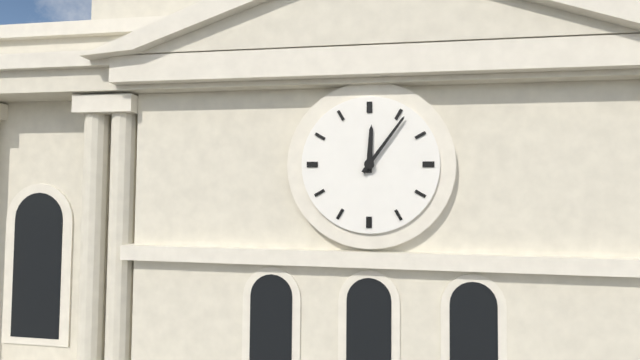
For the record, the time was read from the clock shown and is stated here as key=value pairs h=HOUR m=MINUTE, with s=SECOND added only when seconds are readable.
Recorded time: h=12 m=6
